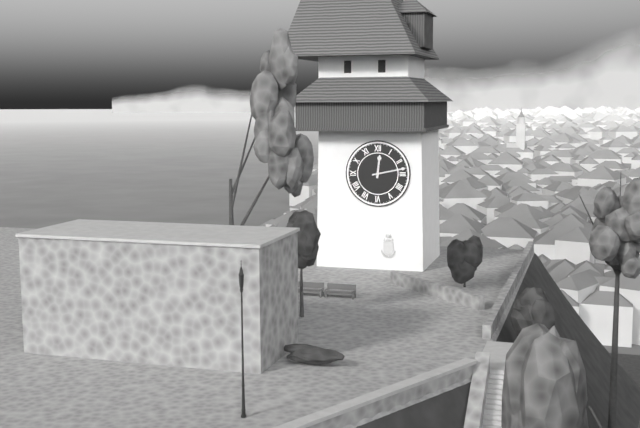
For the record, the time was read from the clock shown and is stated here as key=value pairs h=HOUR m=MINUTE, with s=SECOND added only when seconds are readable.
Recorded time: h=12 m=13
